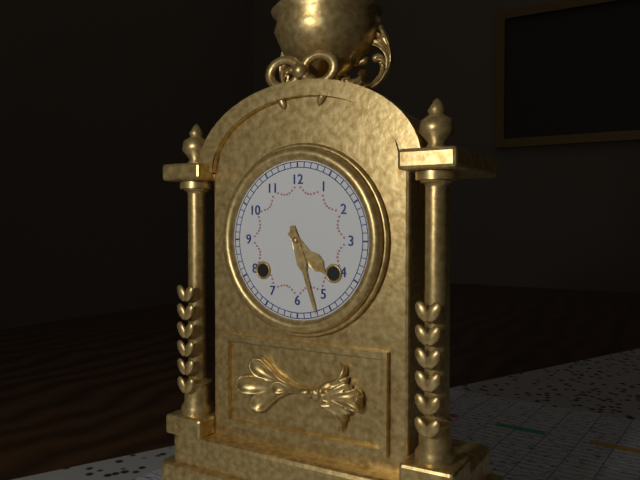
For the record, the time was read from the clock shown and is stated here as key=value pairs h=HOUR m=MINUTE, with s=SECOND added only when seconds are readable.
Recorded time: h=4 m=27
